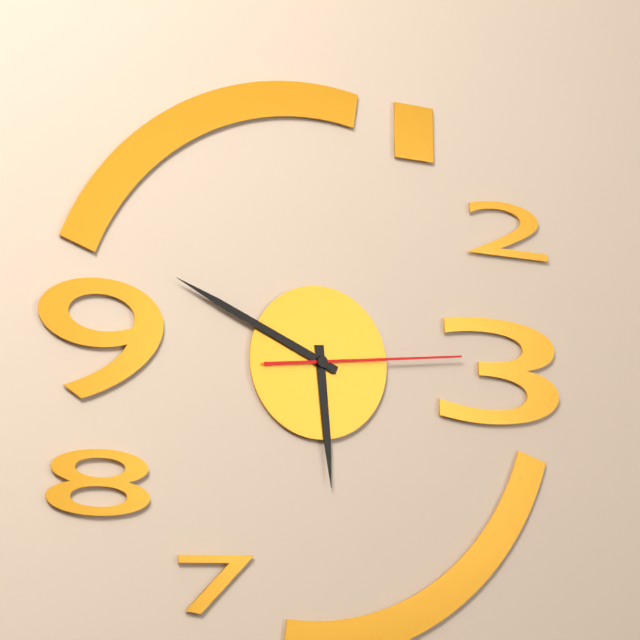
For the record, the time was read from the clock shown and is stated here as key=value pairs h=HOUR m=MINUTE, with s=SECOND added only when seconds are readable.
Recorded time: h=5 m=49 s=14
